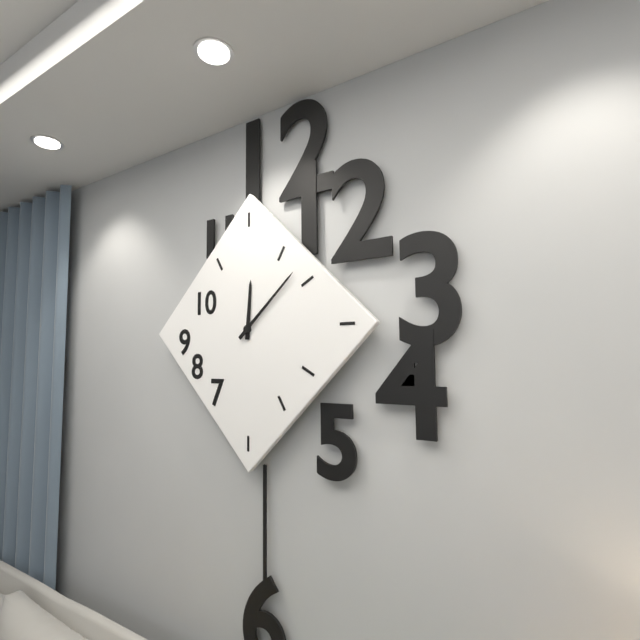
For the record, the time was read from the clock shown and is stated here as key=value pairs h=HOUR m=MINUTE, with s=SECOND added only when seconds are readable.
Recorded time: h=12 m=8
